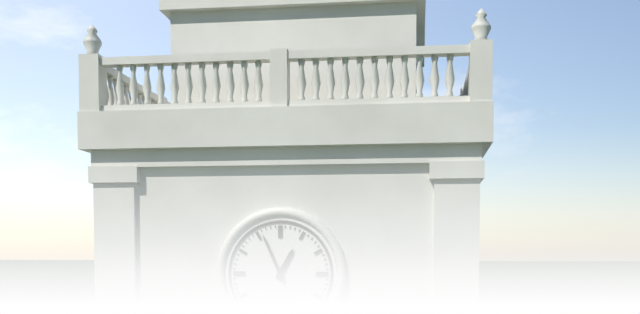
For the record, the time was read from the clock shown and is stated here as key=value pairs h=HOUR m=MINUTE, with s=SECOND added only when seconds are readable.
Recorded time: h=12 m=56
